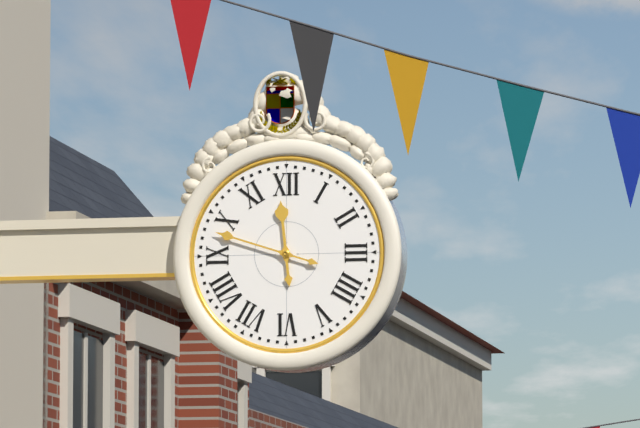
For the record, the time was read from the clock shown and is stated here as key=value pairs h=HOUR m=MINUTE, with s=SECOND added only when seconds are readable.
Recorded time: h=11 m=48
